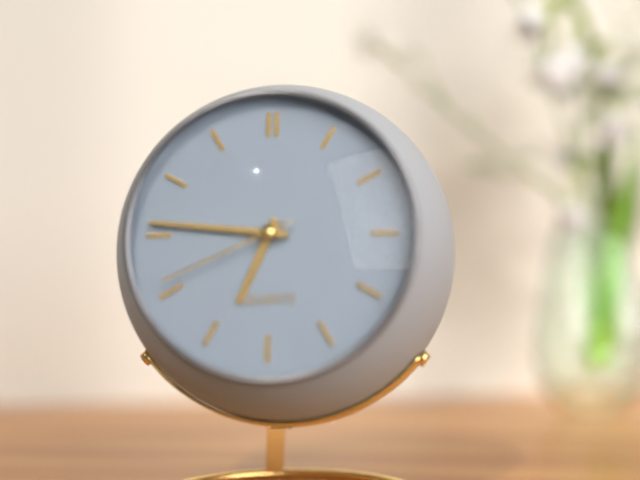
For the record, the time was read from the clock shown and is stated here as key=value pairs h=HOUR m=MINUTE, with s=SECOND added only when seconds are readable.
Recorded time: h=6 m=46 s=41
